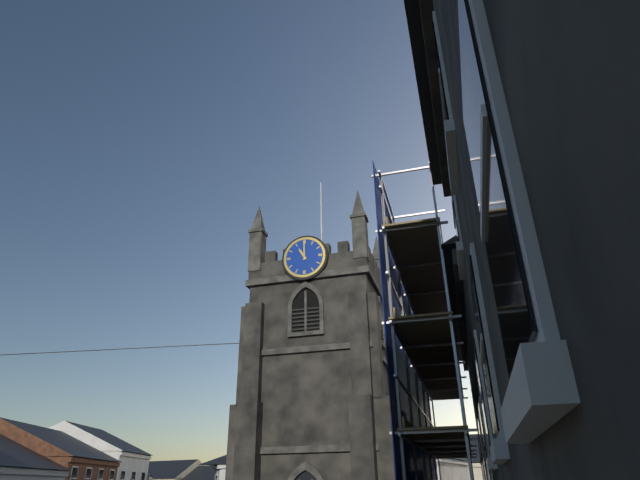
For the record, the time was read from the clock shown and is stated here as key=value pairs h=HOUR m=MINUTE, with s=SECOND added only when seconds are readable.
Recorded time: h=11 m=0
